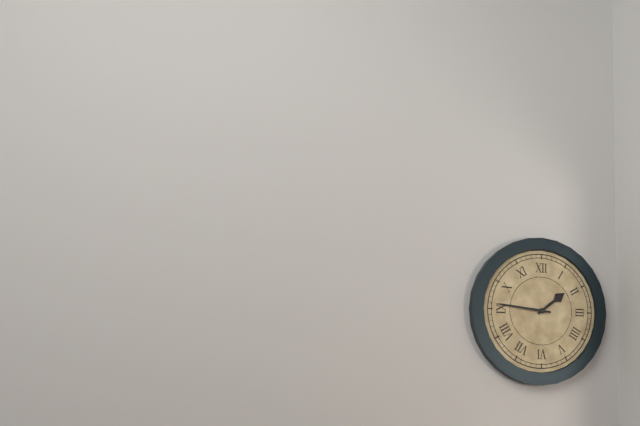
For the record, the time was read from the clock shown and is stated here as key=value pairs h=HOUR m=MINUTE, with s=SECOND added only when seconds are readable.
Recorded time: h=1 m=46
